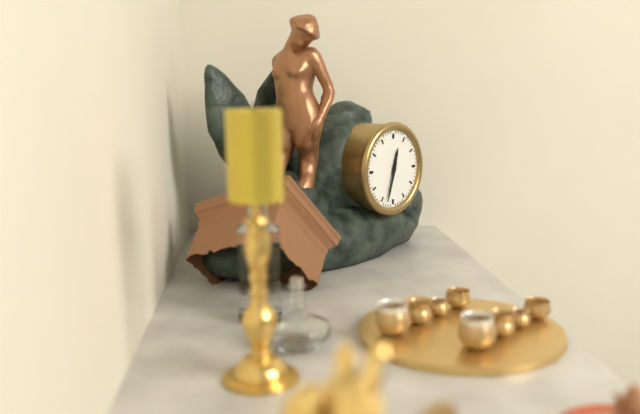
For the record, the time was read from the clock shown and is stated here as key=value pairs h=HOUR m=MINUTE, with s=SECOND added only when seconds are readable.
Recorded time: h=12 m=33
